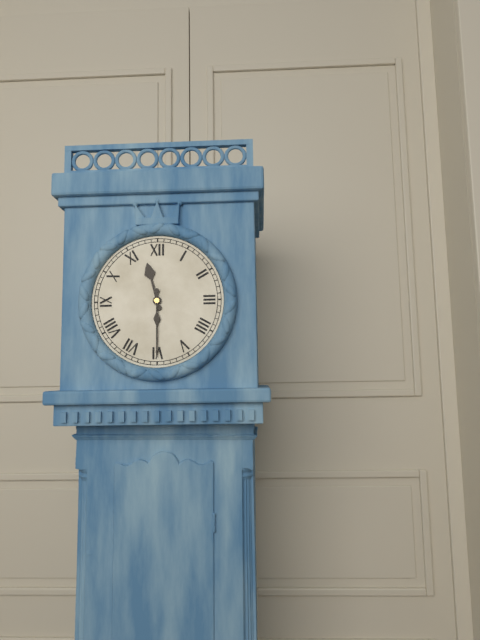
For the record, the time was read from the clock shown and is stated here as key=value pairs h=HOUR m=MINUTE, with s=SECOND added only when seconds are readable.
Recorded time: h=11 m=30
